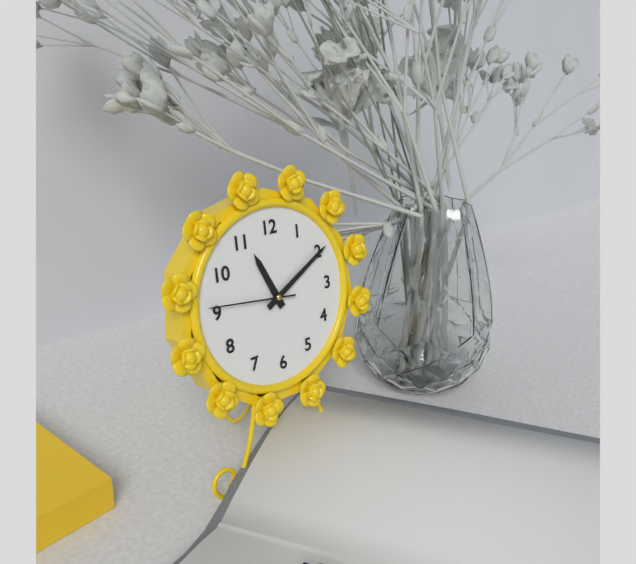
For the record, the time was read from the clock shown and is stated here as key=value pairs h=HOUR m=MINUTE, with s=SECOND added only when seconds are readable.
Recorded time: h=11 m=10 s=46
